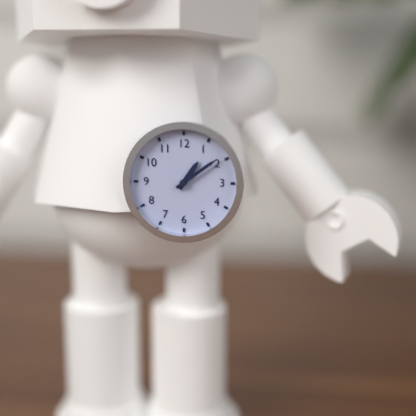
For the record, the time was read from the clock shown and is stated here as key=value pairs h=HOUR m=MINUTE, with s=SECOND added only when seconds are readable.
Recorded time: h=1 m=9
